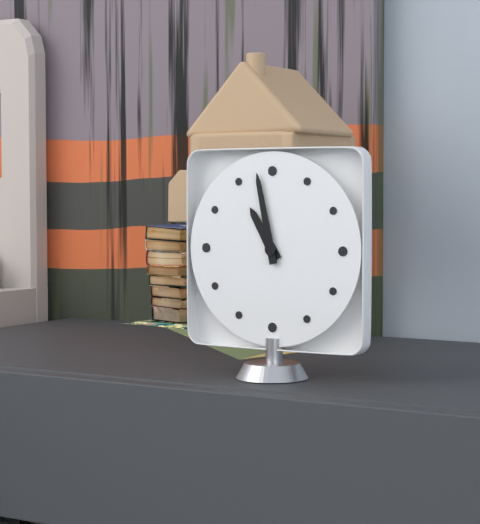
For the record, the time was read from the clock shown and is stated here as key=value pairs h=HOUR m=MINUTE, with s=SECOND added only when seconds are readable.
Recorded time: h=10 m=58
